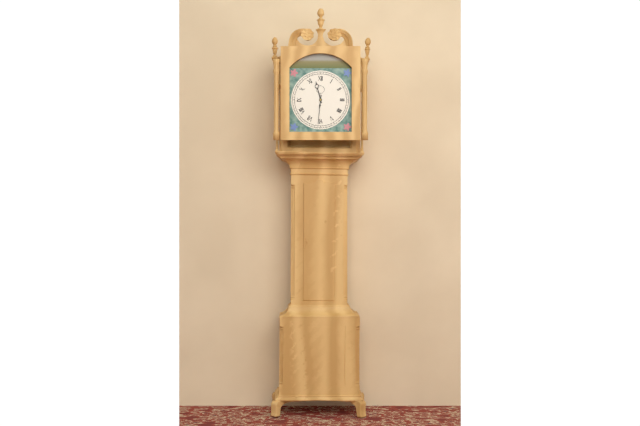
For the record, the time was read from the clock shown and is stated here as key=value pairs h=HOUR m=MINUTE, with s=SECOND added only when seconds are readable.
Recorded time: h=11 m=31
